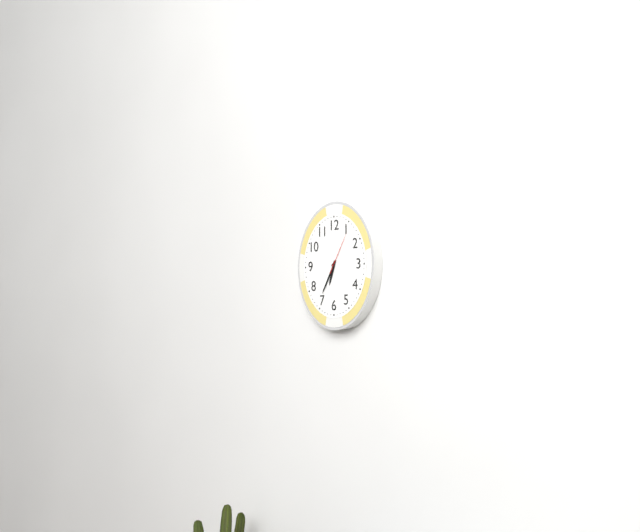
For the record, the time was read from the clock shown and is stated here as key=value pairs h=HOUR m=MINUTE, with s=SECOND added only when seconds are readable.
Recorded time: h=6 m=35
